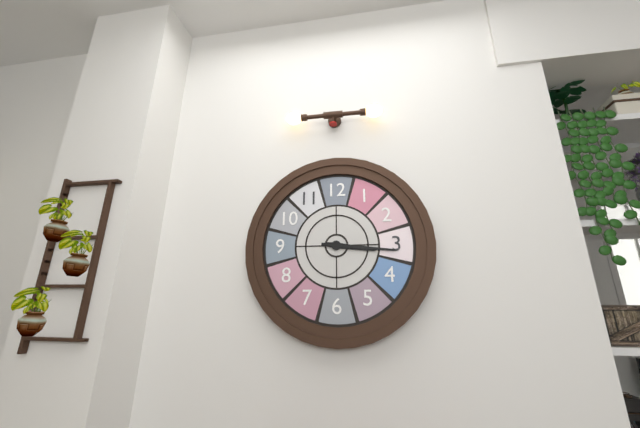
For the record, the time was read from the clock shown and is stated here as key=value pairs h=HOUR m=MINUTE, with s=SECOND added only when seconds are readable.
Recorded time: h=3 m=16
